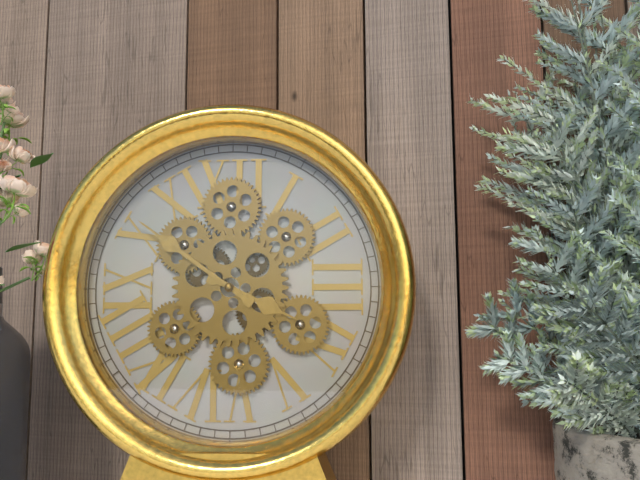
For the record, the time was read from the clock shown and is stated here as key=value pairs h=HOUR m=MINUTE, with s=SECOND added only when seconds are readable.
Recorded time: h=3 m=51
